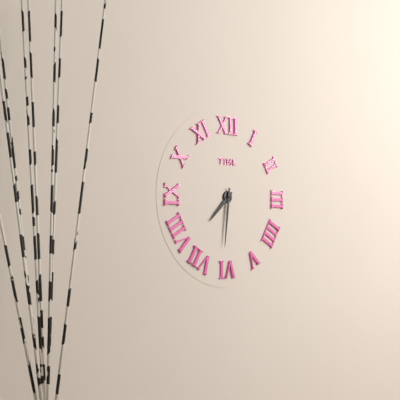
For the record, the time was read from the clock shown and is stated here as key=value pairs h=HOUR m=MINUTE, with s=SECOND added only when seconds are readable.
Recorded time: h=7 m=31
